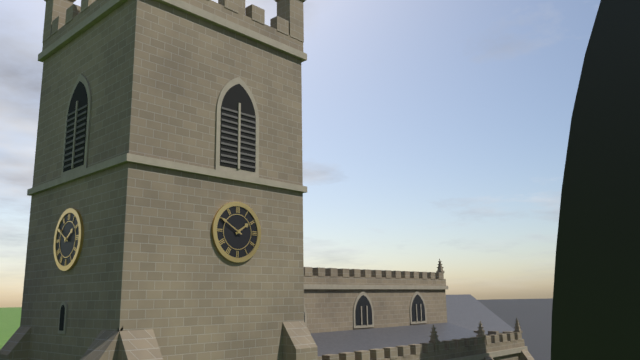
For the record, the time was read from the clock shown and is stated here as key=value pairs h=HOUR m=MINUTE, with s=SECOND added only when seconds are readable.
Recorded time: h=1 m=50
